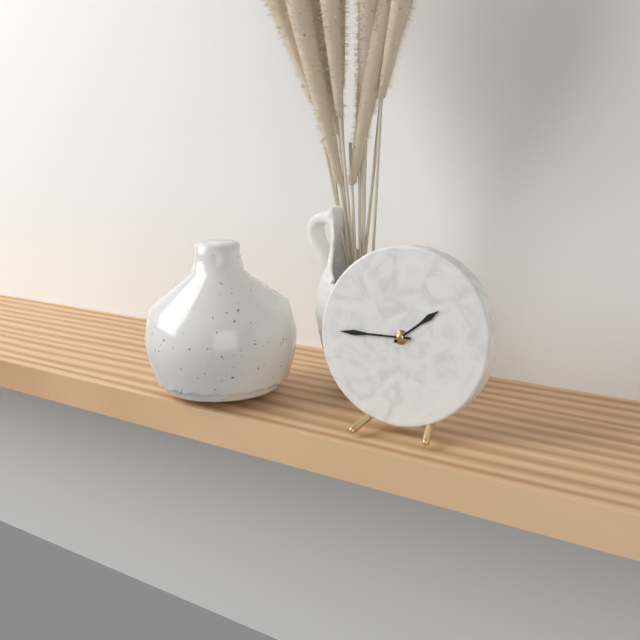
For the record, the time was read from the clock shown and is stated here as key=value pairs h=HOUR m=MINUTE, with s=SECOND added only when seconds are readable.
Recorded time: h=1 m=45
